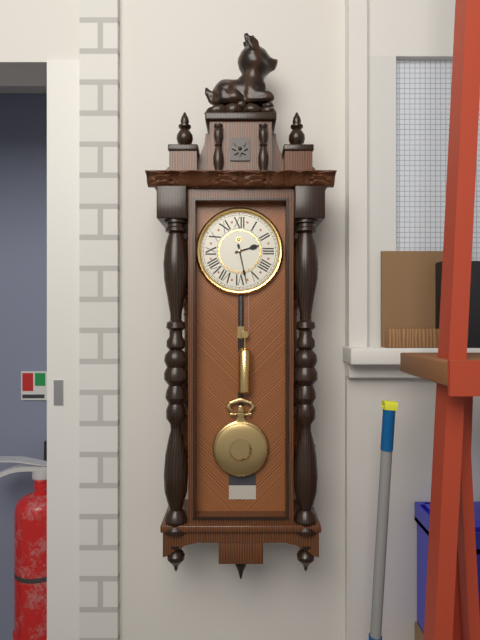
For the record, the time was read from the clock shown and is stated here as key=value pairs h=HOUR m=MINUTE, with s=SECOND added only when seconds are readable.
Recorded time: h=2 m=28
